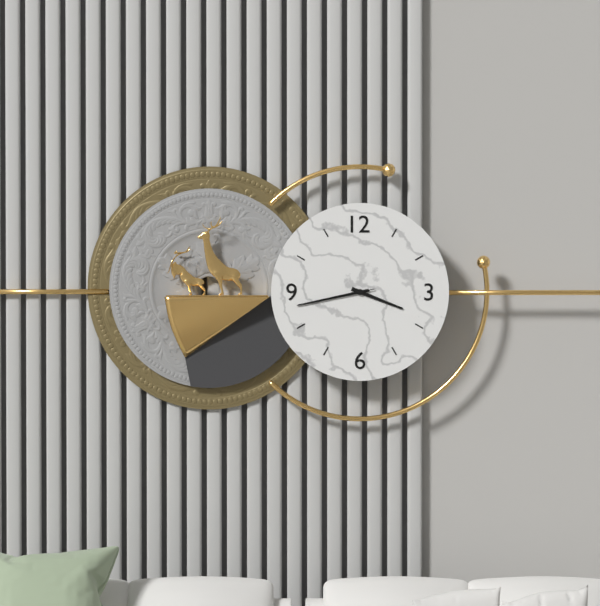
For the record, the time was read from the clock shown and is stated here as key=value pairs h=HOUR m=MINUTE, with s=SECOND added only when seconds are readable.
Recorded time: h=3 m=43 s=43
